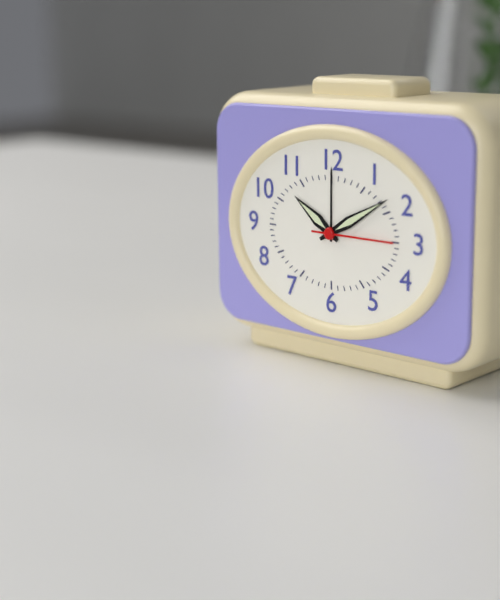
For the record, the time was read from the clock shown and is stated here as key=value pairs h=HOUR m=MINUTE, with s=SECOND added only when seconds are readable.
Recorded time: h=10 m=10 s=15
